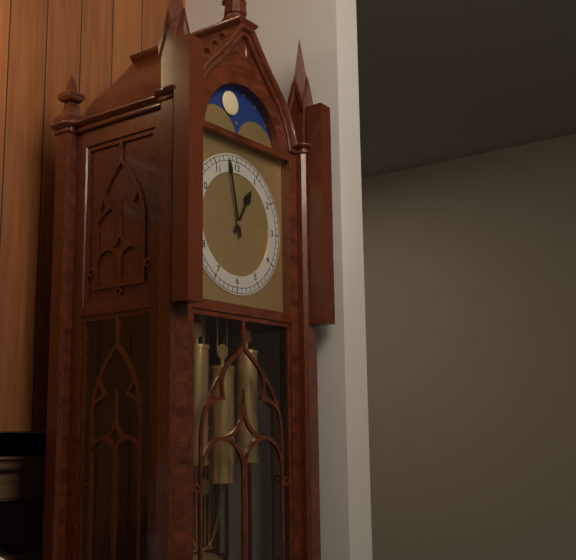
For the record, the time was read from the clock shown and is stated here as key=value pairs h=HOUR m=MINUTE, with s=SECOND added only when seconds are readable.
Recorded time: h=12 m=58
